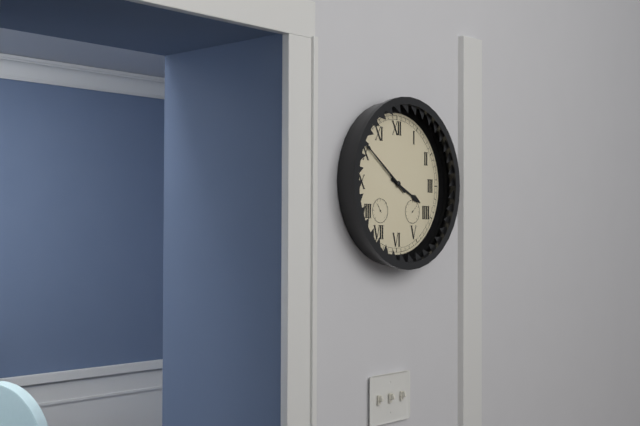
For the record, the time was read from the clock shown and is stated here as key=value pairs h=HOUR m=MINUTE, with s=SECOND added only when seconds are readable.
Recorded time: h=3 m=51
